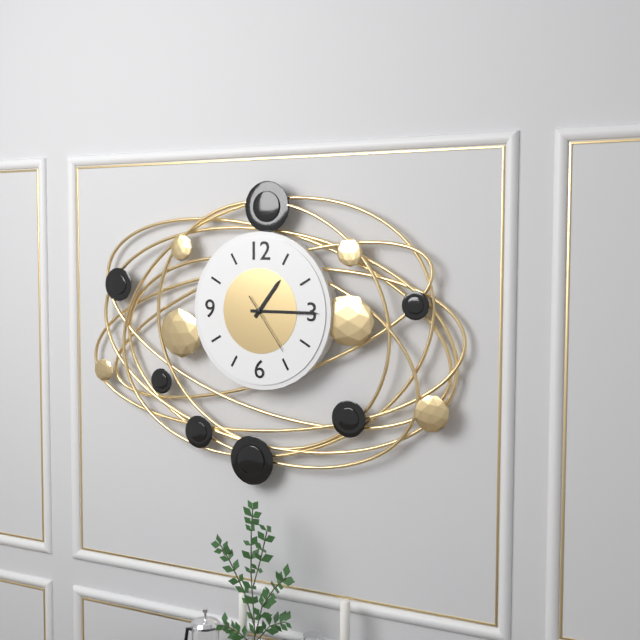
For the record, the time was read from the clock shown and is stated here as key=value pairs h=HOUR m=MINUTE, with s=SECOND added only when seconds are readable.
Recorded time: h=1 m=15 s=24
